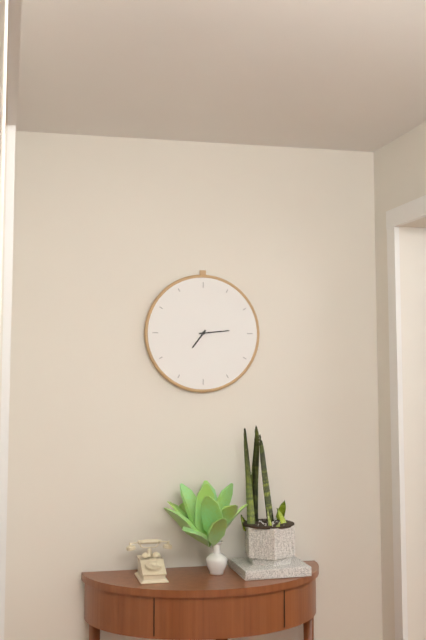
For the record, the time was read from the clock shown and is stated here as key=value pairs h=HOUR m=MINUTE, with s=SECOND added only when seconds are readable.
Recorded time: h=7 m=14
